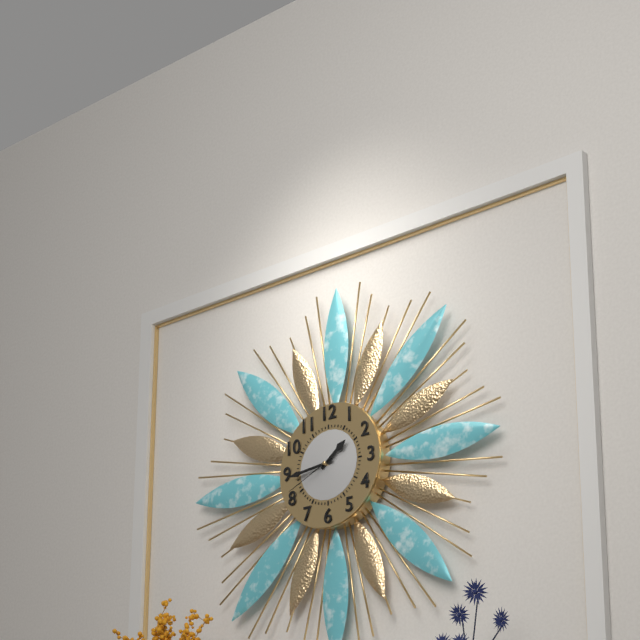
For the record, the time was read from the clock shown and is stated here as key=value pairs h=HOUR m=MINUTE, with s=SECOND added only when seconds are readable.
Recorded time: h=1 m=44 s=41
